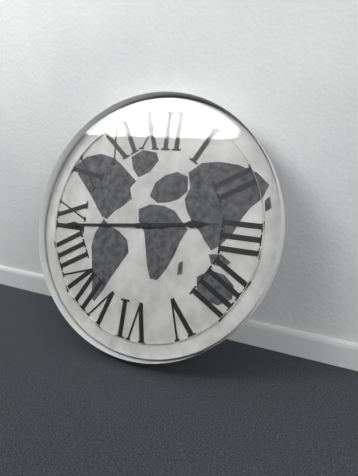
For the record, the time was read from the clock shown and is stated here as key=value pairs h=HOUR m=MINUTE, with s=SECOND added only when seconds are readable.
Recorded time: h=2 m=44
